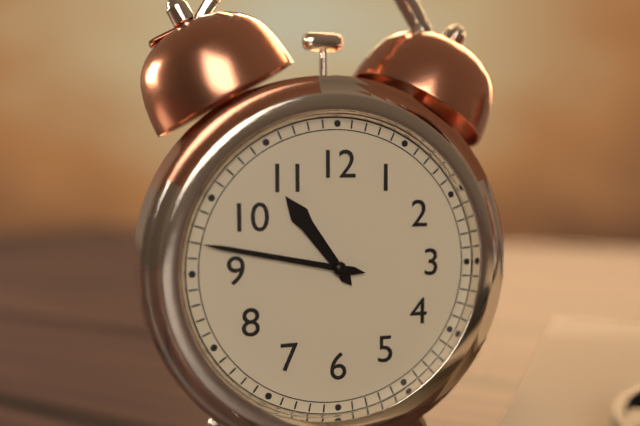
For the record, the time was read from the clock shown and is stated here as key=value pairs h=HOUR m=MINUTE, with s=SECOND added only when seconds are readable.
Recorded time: h=10 m=47
